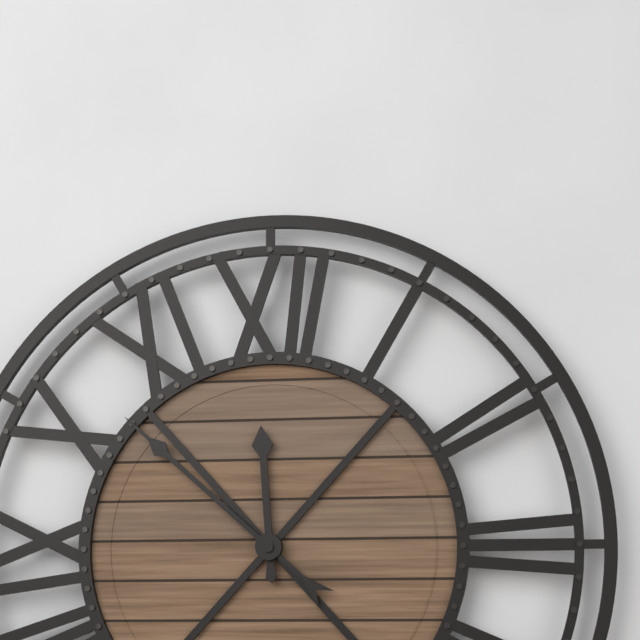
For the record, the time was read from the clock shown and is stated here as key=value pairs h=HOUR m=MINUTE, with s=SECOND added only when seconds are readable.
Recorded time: h=11 m=52
